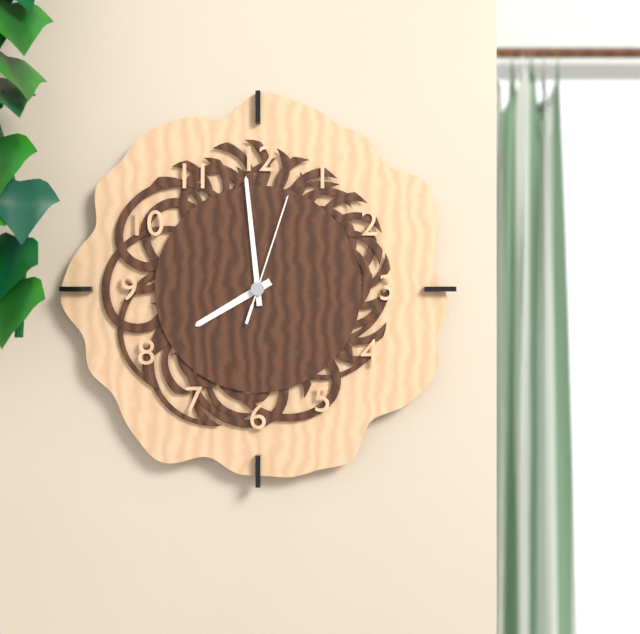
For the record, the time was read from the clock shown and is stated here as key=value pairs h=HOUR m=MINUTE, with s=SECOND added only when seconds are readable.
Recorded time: h=7 m=59 s=3
